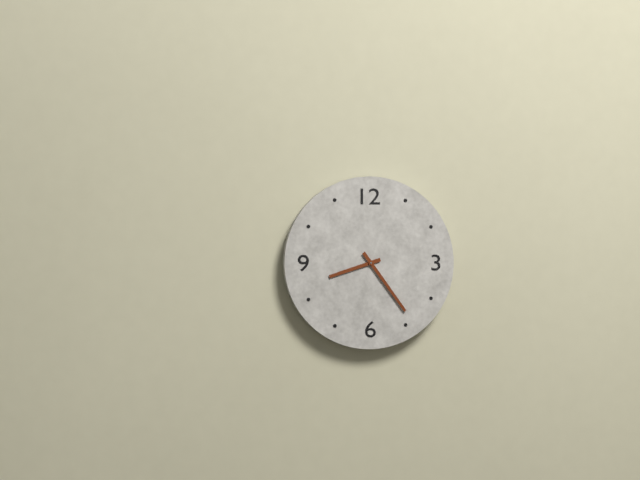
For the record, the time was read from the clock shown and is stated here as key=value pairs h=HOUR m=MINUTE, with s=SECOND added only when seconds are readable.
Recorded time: h=8 m=24
